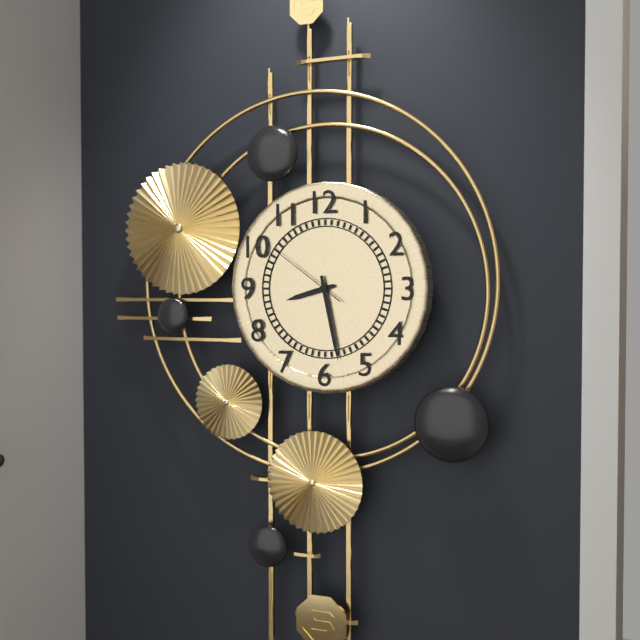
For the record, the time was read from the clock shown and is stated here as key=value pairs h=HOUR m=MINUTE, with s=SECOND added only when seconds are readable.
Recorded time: h=8 m=28 s=51
